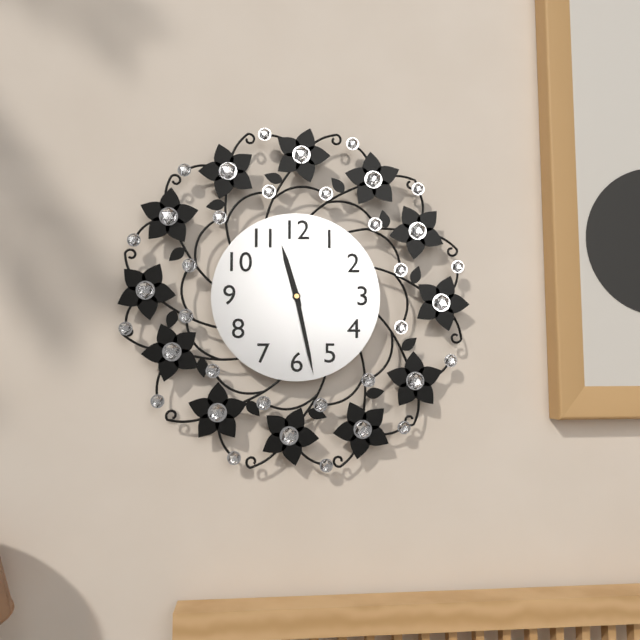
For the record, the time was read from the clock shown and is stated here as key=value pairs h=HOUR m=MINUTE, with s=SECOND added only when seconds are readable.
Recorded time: h=11 m=28
